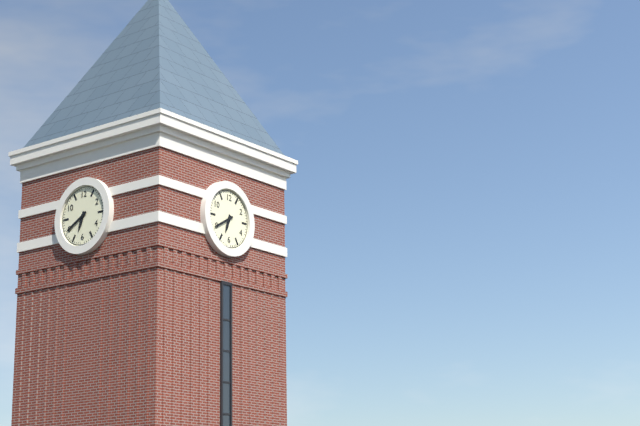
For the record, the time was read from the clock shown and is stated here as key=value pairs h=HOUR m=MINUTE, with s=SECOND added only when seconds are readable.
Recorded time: h=6 m=40
